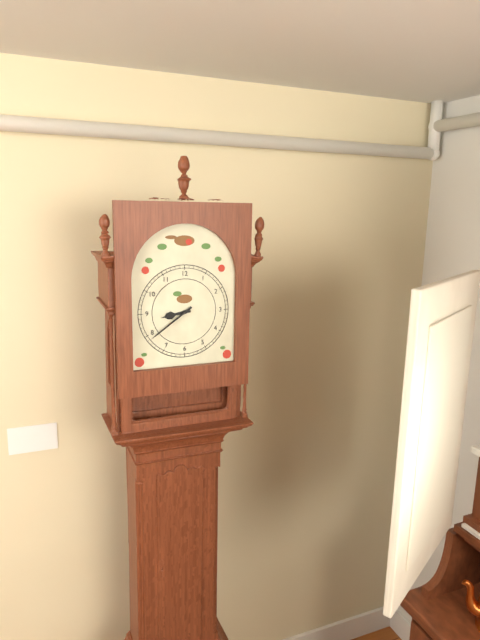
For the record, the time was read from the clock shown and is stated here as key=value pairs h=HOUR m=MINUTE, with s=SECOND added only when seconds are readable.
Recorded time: h=8 m=39
